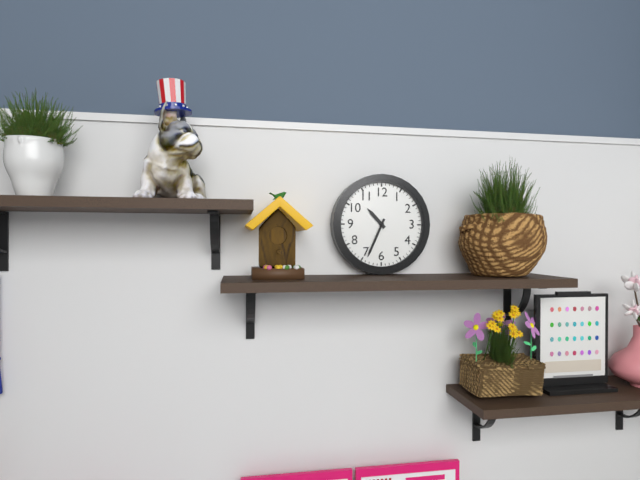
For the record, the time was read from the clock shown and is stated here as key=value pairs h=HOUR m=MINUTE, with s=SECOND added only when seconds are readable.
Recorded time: h=10 m=34
